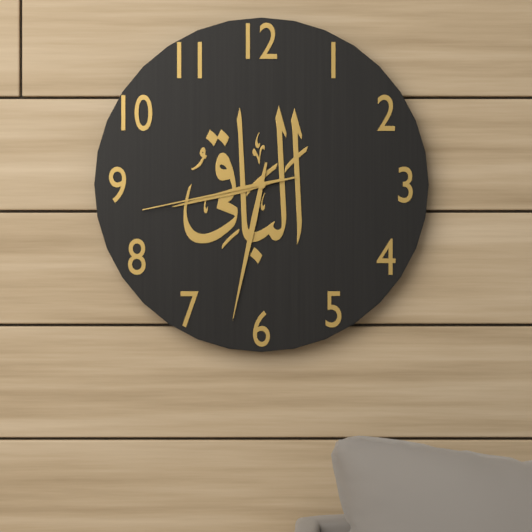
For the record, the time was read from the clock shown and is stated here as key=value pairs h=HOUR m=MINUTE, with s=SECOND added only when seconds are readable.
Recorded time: h=8 m=32 s=43
